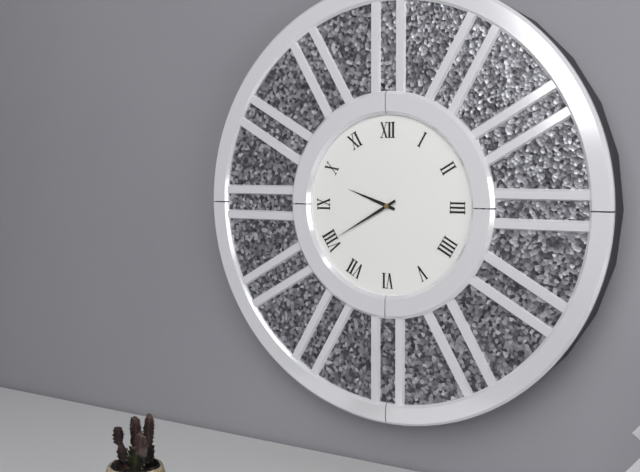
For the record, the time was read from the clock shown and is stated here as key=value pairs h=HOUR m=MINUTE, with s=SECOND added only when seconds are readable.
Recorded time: h=9 m=40
